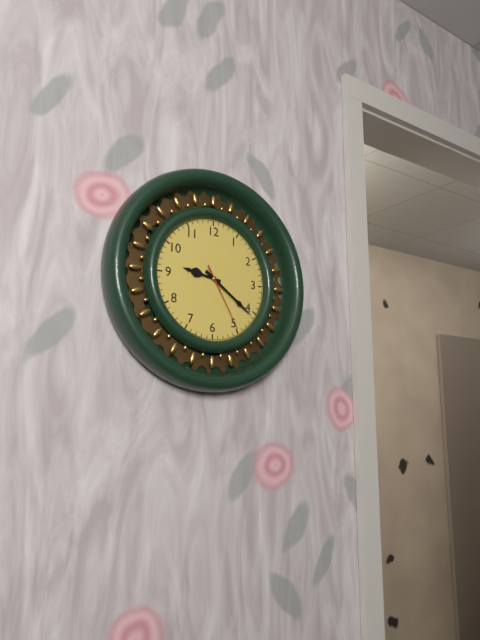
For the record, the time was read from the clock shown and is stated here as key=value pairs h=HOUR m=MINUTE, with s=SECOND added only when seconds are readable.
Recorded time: h=9 m=21 s=25
